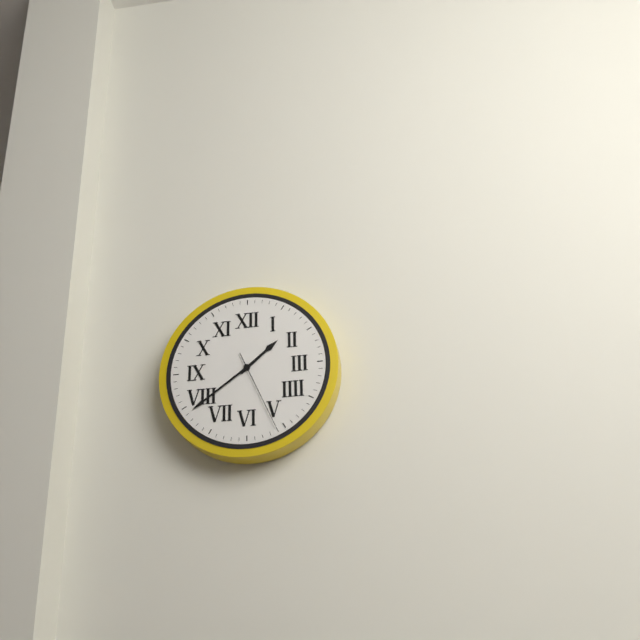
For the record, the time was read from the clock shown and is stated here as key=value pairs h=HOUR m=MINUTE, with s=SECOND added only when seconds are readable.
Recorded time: h=1 m=39 s=26
